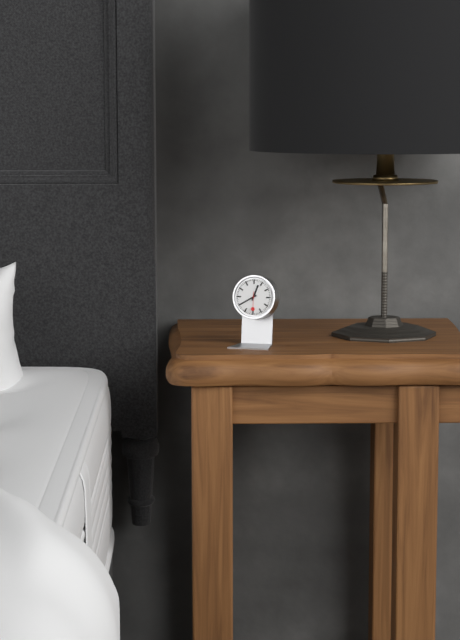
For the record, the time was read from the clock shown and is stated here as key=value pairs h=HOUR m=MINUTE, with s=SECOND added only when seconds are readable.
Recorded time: h=12 m=40
